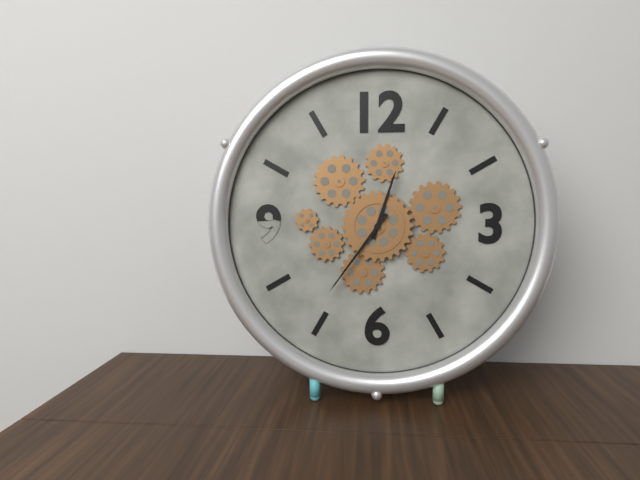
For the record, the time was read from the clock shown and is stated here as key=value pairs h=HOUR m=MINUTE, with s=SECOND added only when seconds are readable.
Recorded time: h=12 m=36
